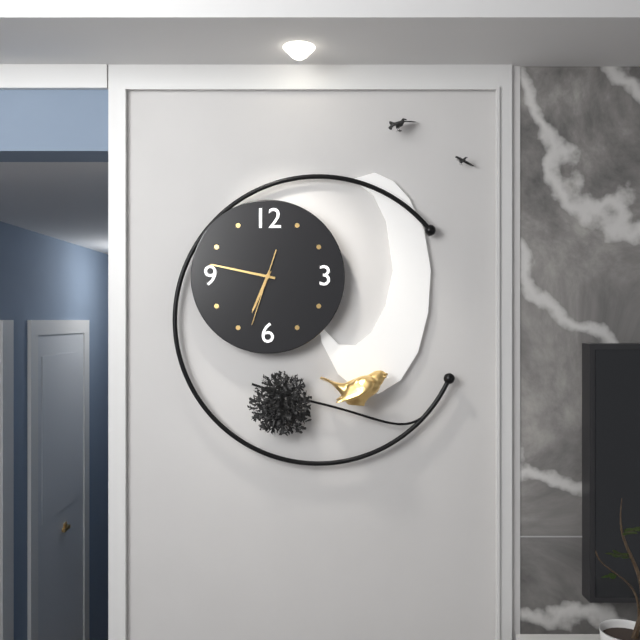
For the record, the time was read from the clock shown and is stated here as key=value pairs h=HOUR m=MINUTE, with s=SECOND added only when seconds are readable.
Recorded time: h=6 m=47 s=33
